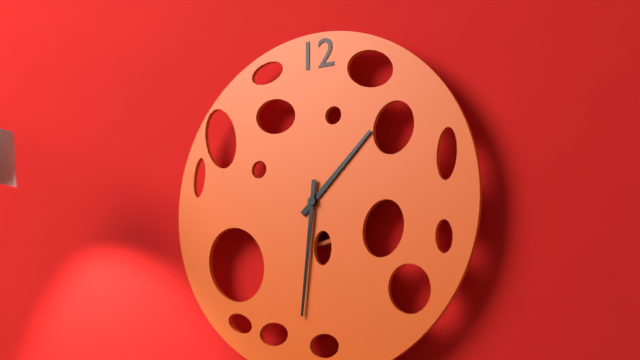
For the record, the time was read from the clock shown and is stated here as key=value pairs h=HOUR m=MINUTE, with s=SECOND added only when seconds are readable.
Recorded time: h=1 m=31
